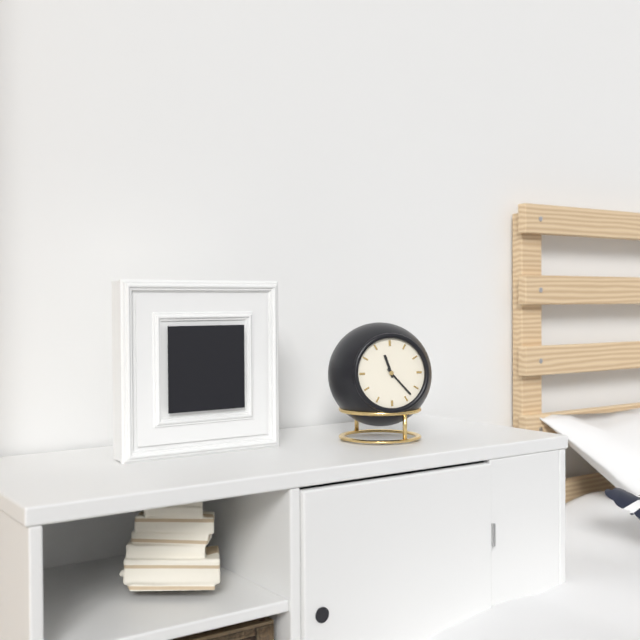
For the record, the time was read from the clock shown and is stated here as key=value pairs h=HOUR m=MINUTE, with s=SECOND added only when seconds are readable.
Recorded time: h=11 m=23
